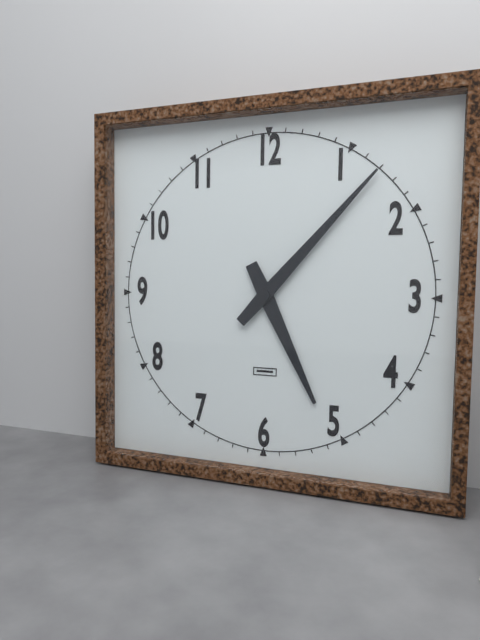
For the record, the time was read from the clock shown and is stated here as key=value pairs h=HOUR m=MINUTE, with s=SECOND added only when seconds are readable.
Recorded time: h=5 m=7
